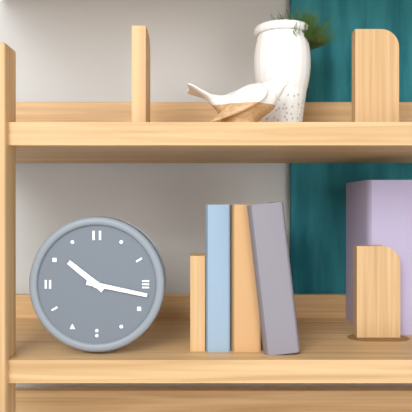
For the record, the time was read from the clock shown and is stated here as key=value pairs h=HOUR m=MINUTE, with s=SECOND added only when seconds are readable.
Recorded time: h=10 m=17
